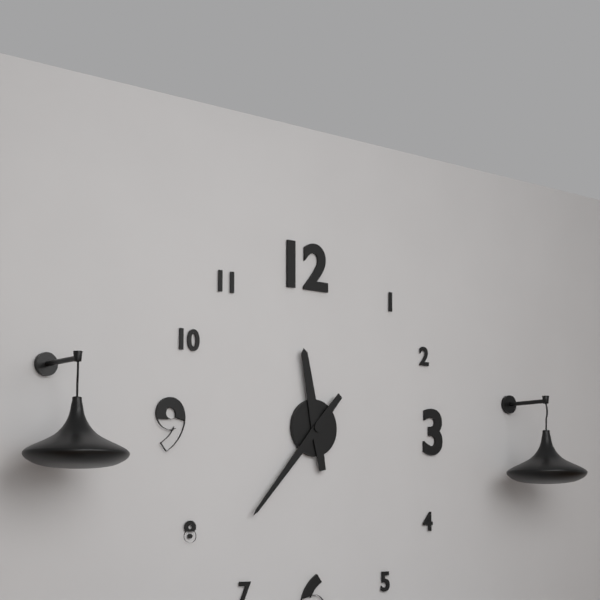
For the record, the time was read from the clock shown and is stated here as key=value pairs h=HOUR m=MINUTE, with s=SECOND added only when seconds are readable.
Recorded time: h=11 m=37
